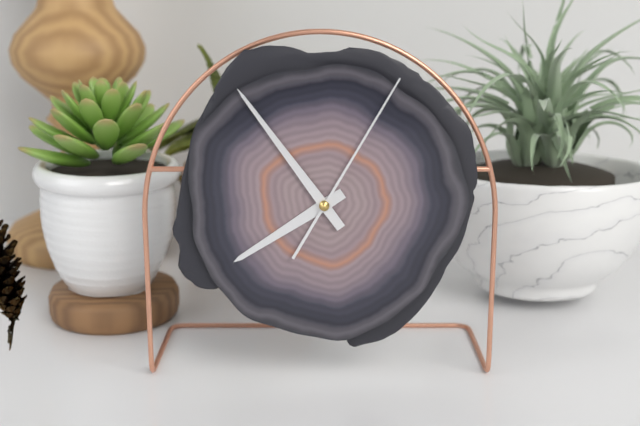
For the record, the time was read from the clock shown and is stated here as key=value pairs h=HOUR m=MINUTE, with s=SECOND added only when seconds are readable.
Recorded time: h=7 m=54 s=5
